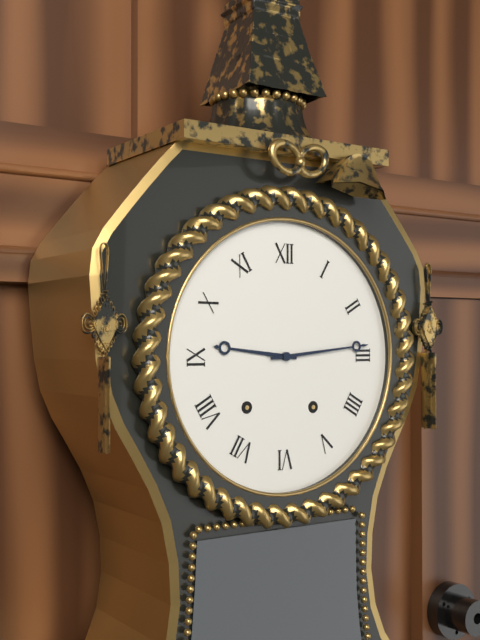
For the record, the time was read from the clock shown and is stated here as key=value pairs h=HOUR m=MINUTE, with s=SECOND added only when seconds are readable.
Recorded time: h=9 m=14
